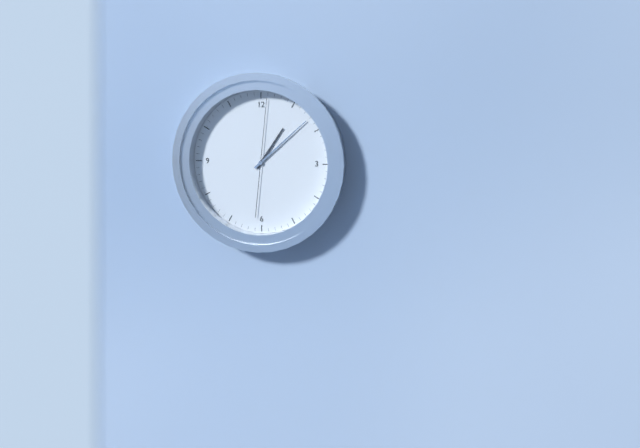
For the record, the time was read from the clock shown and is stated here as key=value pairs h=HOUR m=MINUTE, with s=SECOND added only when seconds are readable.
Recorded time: h=1 m=8 s=1
